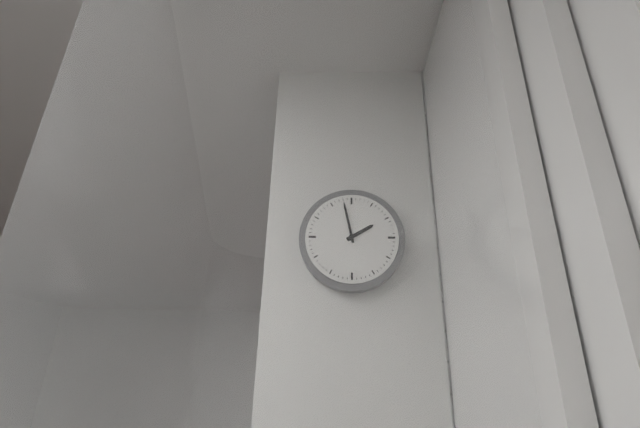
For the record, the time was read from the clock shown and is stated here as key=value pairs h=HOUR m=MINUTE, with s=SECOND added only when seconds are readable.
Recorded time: h=1 m=58
